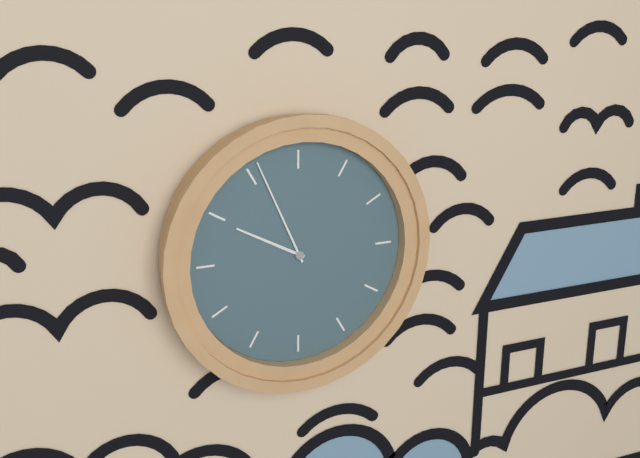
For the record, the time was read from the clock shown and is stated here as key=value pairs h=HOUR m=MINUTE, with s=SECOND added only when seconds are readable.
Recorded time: h=9 m=56
